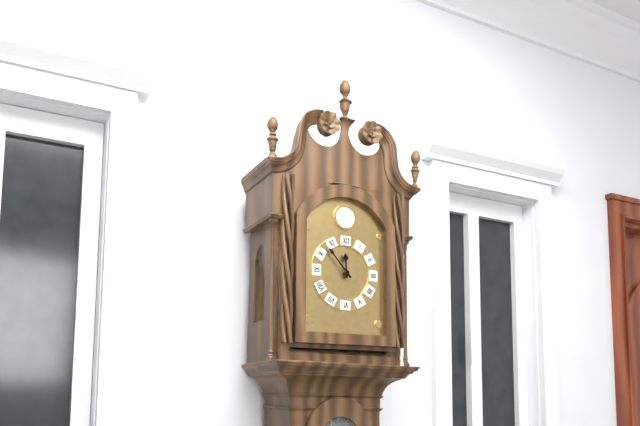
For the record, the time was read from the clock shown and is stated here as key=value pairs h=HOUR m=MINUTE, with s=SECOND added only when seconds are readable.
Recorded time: h=11 m=53
